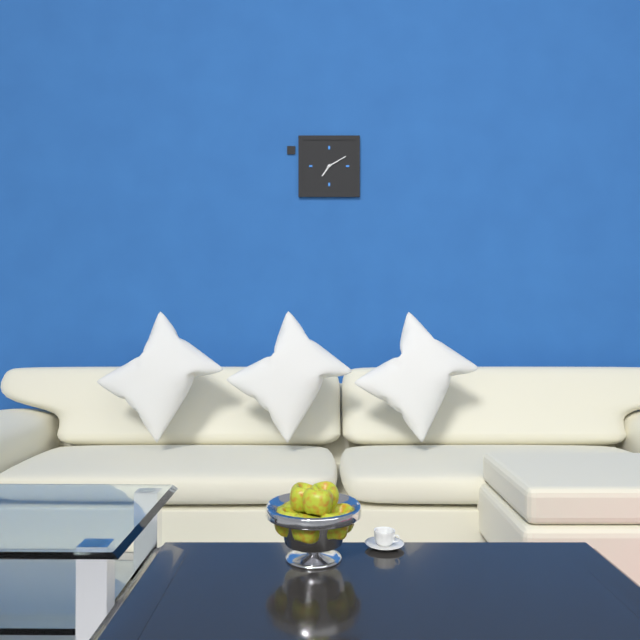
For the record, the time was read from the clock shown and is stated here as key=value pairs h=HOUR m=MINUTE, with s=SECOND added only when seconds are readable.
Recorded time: h=7 m=10
